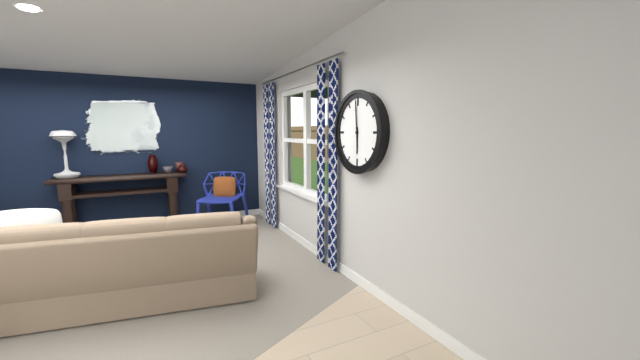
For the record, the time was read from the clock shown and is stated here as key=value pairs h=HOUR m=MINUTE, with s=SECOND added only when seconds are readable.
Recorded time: h=5 m=59
